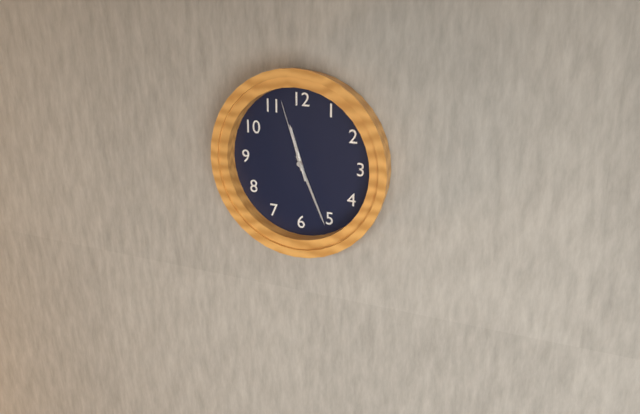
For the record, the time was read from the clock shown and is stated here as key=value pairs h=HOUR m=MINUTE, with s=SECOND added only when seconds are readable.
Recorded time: h=11 m=26 s=57
